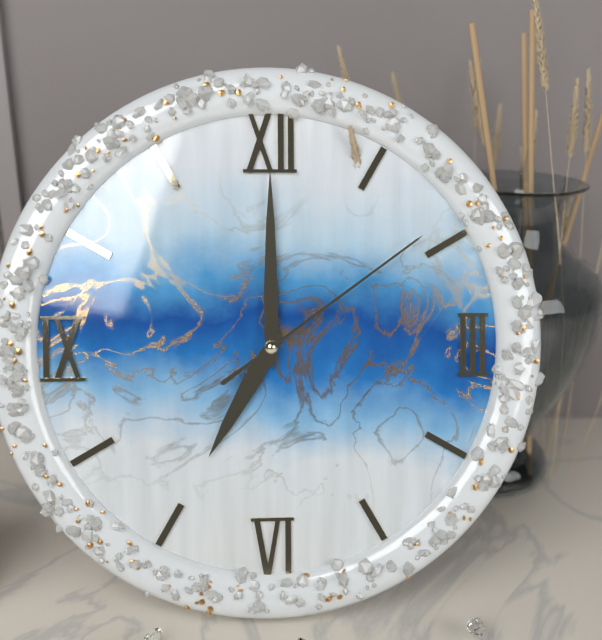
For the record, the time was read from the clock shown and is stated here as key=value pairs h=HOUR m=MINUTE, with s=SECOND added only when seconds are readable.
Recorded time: h=7 m=0 s=9
